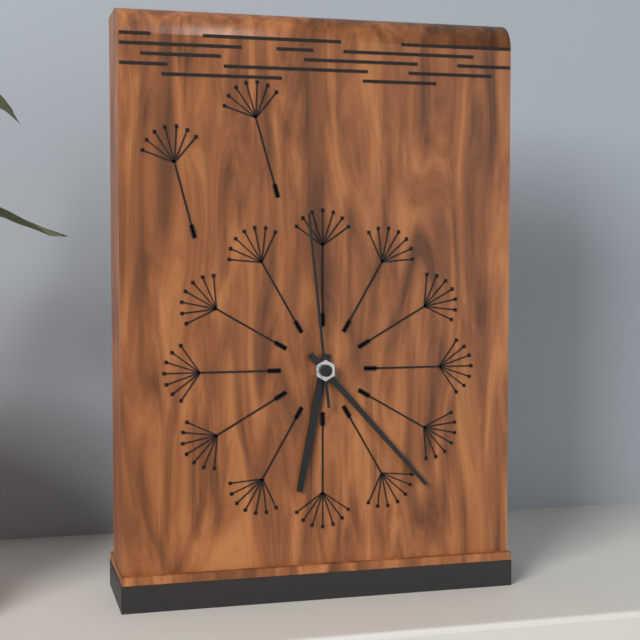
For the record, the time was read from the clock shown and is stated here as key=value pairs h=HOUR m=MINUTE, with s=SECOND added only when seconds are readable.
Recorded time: h=6 m=23 s=59
